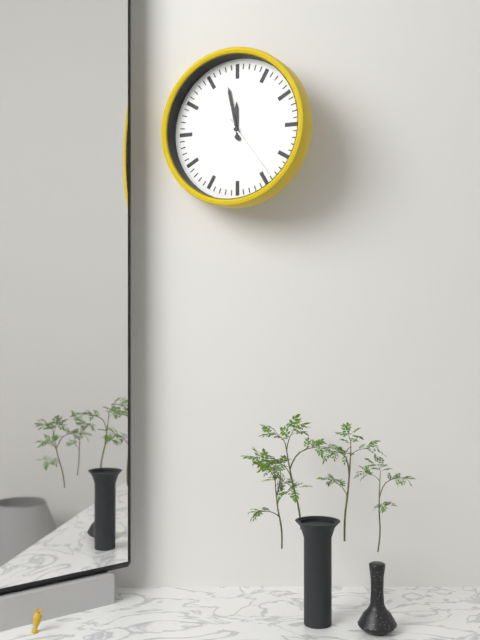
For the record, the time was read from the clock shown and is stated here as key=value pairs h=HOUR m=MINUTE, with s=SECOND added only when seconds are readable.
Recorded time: h=11 m=58 s=24
